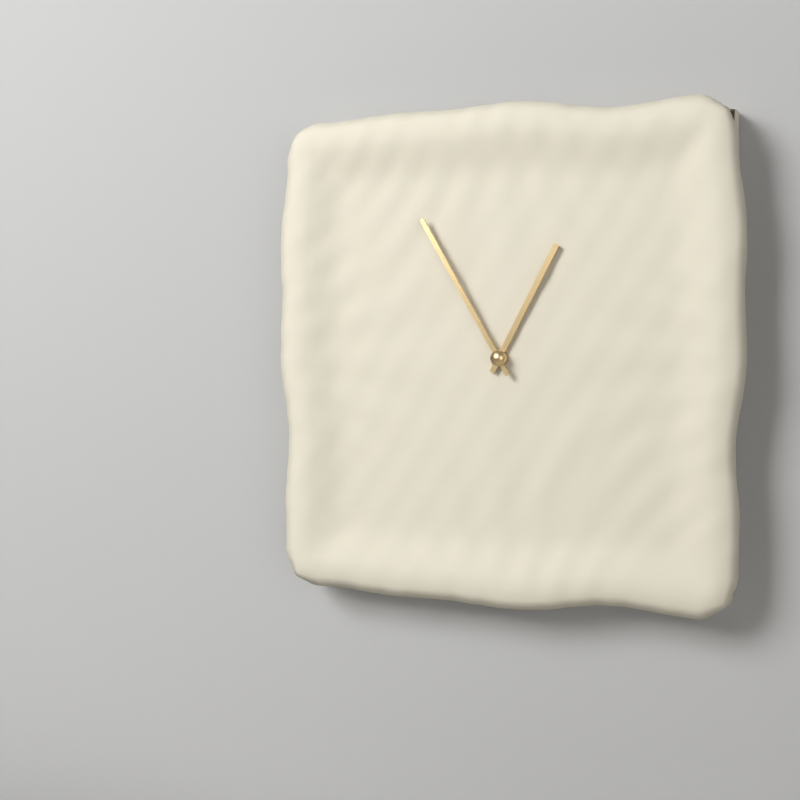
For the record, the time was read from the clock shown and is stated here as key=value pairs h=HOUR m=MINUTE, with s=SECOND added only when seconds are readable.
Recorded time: h=12 m=55
